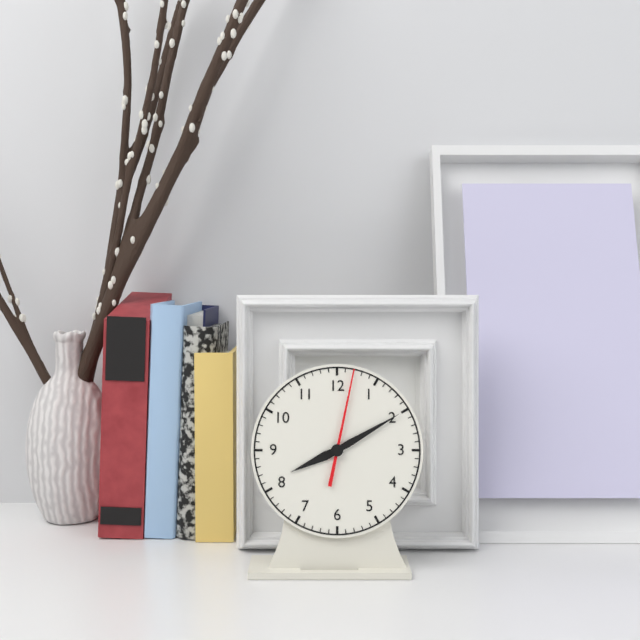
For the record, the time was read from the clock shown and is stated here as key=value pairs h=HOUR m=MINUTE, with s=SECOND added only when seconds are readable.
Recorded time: h=8 m=10 s=2
